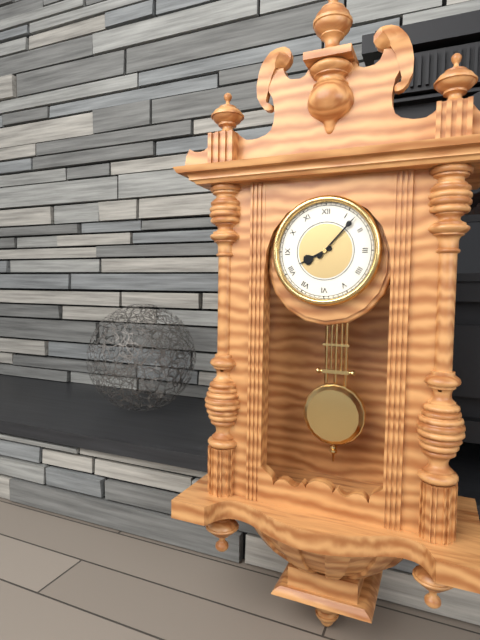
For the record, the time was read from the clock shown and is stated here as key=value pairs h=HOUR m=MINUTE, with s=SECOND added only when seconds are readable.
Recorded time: h=8 m=7
